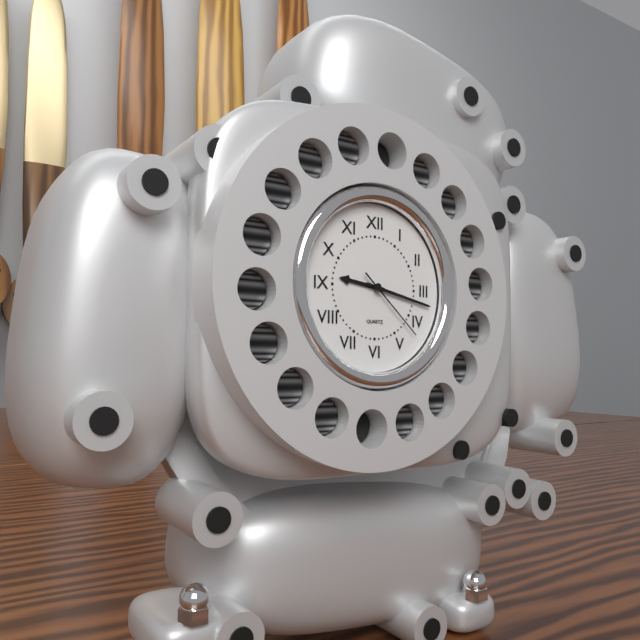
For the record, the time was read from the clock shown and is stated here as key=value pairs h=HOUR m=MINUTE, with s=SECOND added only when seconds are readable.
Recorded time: h=9 m=17 s=22
